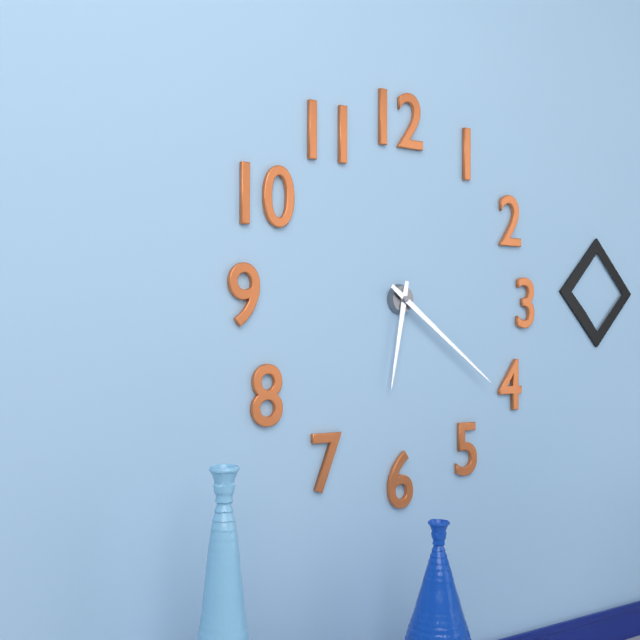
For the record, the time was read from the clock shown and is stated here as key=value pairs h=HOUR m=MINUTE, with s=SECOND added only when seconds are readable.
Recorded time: h=6 m=21
